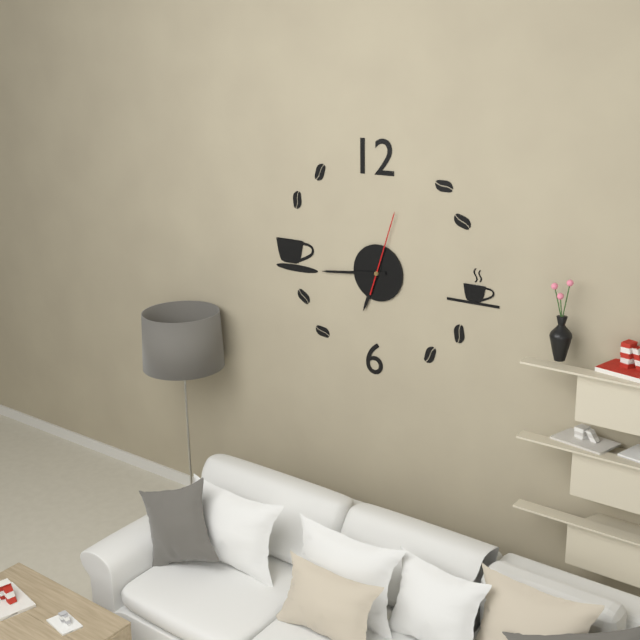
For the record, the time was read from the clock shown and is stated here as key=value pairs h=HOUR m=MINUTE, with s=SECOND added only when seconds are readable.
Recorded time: h=6 m=44 s=3
